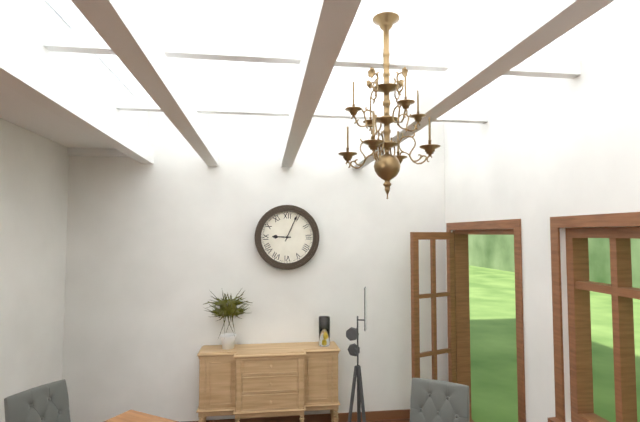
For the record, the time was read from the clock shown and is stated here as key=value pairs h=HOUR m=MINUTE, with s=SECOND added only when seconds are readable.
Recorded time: h=9 m=4
